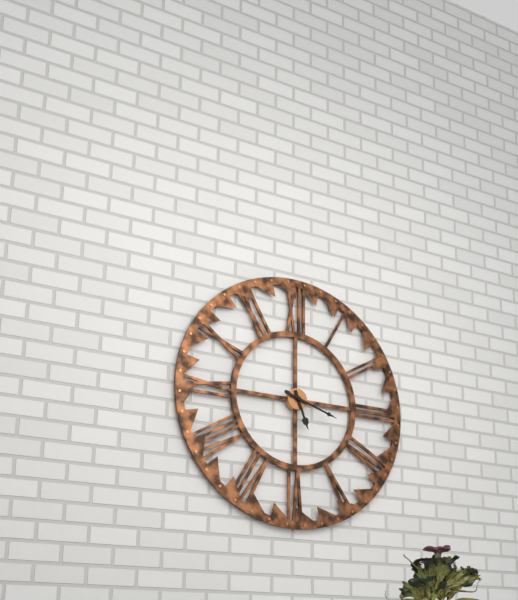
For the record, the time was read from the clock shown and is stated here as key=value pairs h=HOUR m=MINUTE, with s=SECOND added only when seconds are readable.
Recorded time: h=5 m=18
